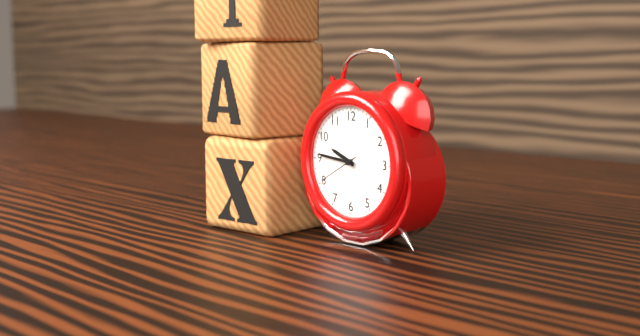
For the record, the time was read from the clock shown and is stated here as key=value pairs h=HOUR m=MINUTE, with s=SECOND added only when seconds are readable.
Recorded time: h=9 m=46
